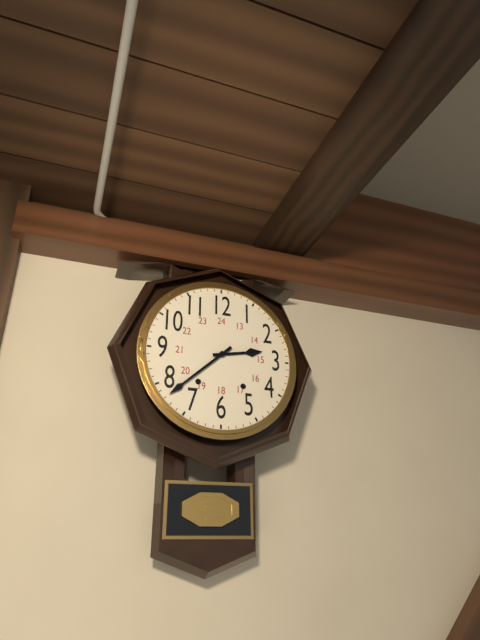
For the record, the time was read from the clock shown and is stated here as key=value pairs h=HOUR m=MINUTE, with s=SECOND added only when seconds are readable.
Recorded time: h=2 m=38
